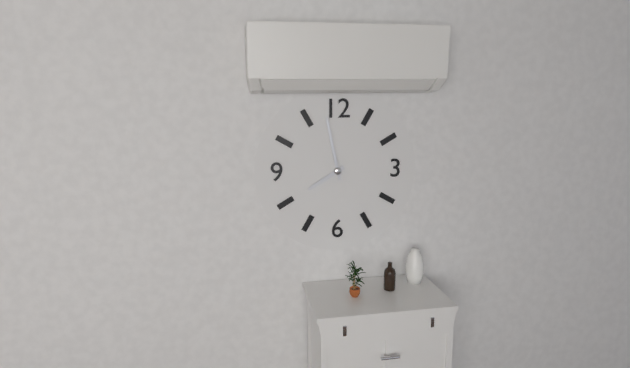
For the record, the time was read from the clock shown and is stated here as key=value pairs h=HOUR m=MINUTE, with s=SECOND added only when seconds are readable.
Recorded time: h=7 m=58
